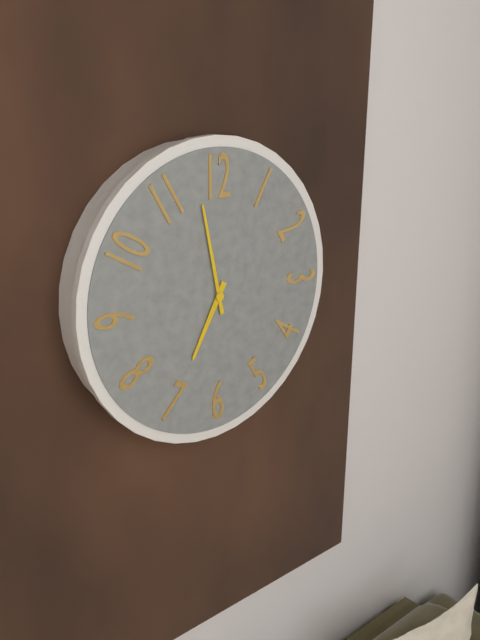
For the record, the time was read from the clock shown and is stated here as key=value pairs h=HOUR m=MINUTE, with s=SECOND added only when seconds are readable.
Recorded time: h=6 m=58
